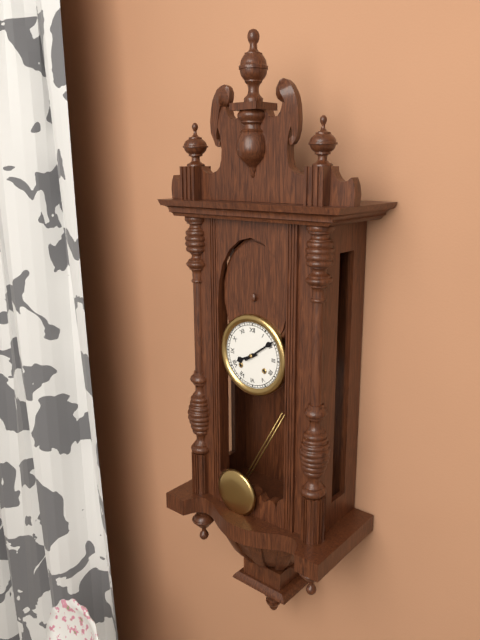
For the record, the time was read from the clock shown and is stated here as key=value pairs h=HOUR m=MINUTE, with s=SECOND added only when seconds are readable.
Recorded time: h=8 m=9
